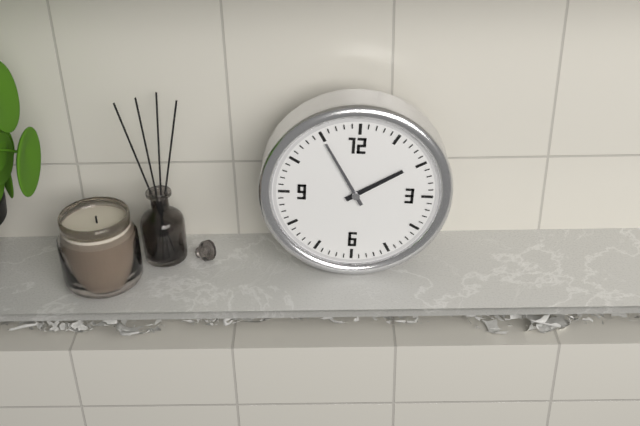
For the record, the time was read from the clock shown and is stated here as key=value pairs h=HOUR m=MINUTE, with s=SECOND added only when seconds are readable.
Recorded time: h=1 m=55
